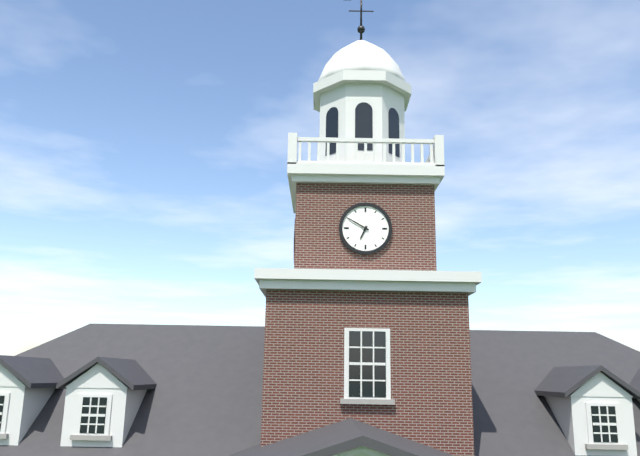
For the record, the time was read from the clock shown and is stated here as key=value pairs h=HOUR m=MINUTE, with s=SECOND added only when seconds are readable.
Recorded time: h=6 m=50
